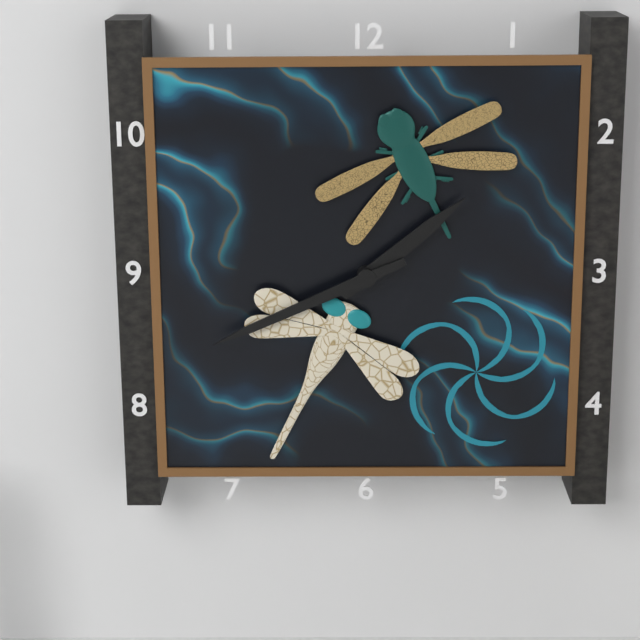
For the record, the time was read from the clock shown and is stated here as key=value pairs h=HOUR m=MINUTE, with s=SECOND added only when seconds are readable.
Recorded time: h=1 m=41
